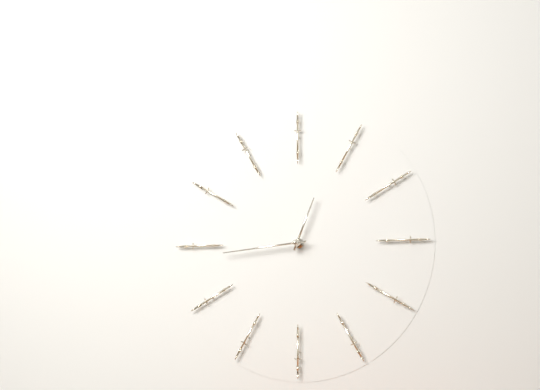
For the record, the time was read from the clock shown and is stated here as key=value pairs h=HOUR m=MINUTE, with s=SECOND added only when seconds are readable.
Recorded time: h=12 m=44
